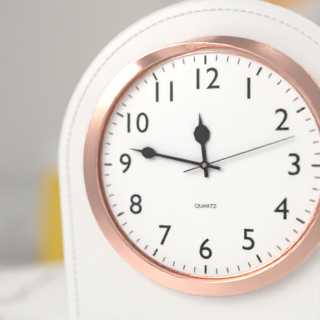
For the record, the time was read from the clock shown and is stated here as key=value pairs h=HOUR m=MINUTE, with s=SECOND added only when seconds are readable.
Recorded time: h=11 m=47 s=12
